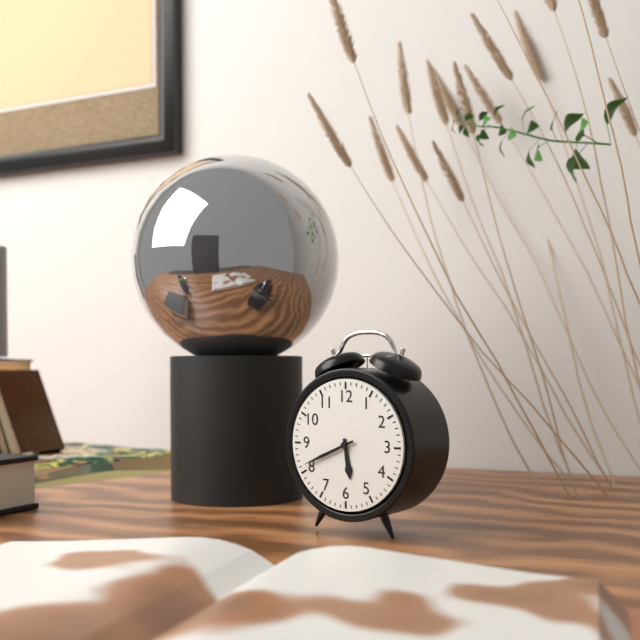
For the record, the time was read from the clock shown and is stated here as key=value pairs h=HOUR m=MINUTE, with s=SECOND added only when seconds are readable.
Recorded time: h=5 m=41
